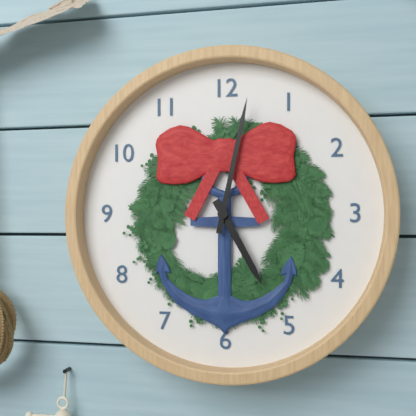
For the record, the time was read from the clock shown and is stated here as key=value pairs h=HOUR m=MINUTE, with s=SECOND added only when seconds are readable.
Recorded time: h=5 m=2
